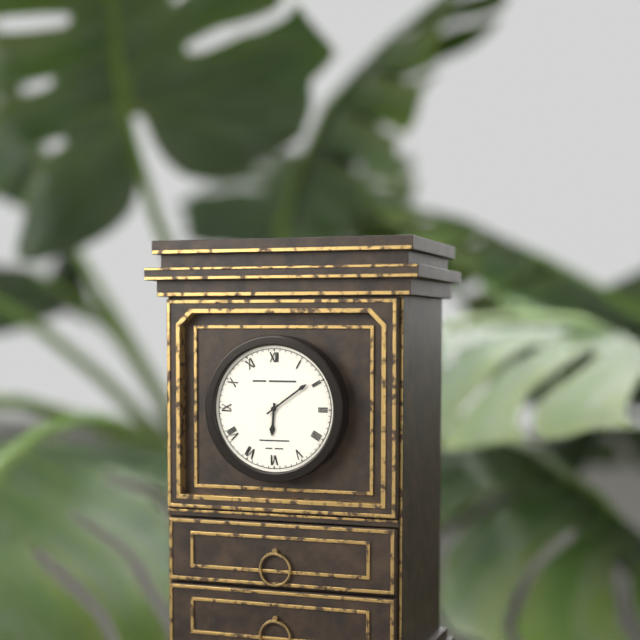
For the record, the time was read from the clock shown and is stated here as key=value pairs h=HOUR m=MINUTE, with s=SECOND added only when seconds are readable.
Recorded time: h=6 m=9
